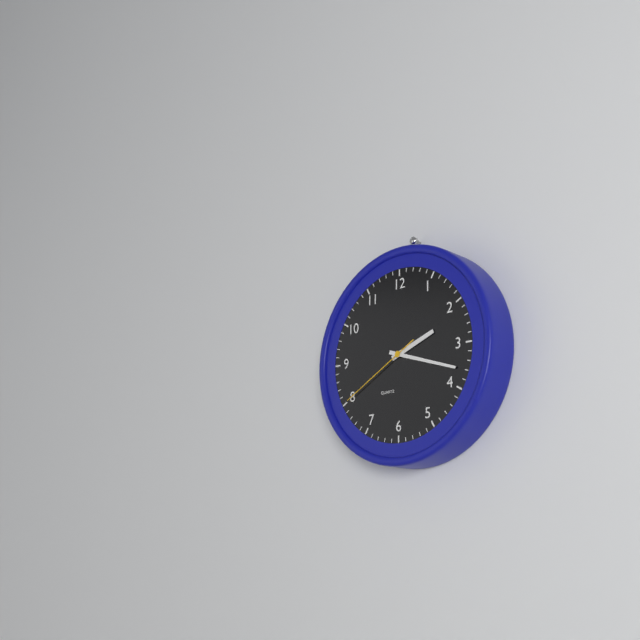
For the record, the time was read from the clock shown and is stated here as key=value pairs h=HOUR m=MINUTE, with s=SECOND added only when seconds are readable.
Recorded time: h=2 m=18 s=40
